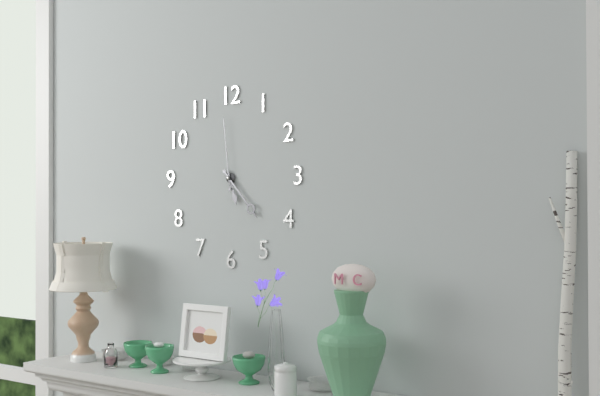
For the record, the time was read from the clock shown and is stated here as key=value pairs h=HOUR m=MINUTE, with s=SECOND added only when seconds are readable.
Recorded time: h=5 m=23 s=59
